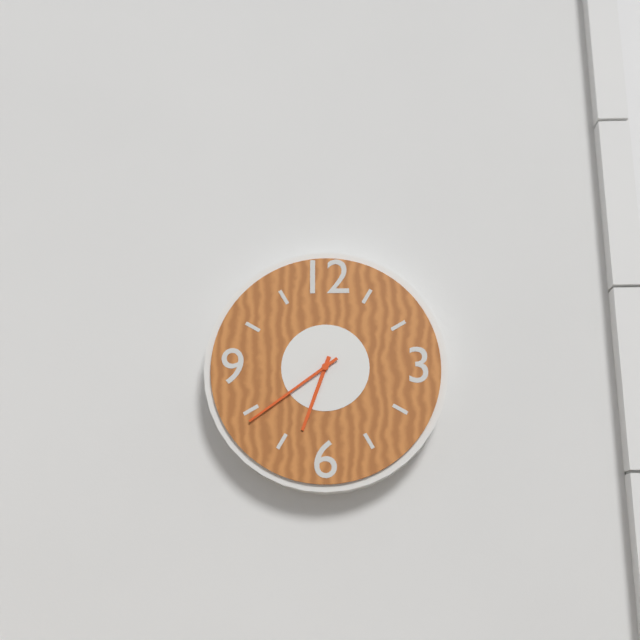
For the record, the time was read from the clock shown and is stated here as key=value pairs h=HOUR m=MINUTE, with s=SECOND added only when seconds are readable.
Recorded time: h=6 m=39
